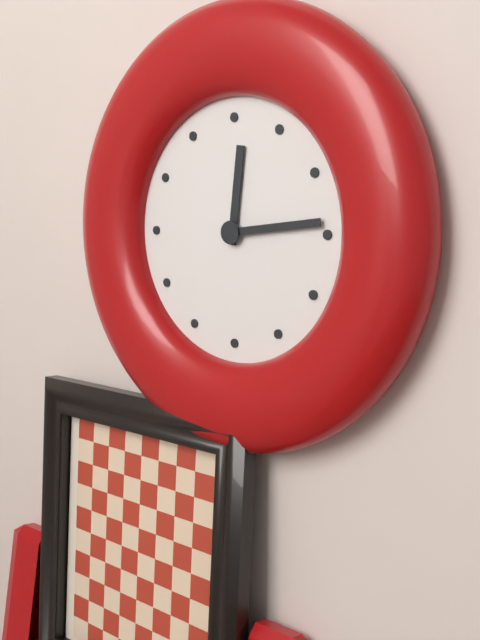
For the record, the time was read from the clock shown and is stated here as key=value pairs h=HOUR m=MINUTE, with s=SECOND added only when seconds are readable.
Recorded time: h=12 m=14
